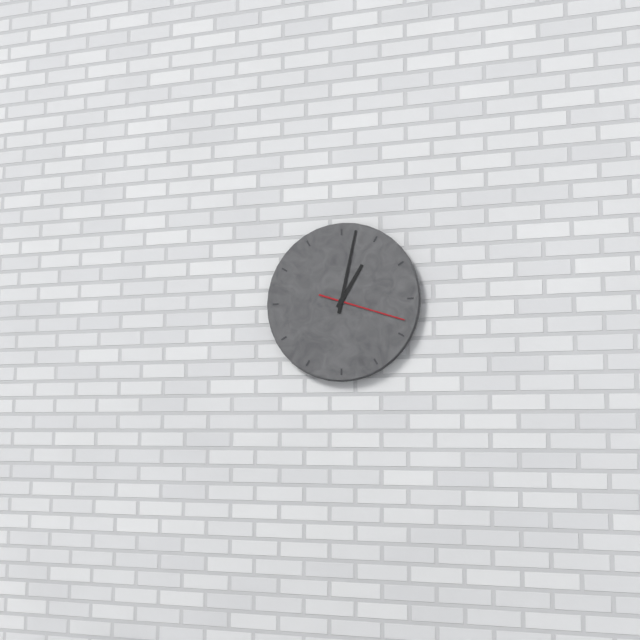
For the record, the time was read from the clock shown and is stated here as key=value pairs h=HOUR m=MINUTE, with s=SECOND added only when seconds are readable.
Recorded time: h=1 m=2 s=18
